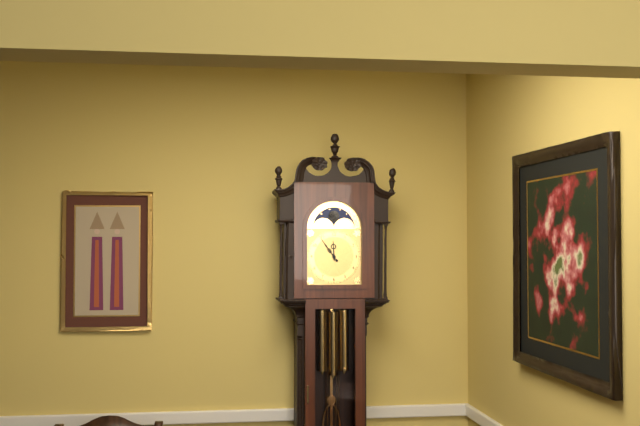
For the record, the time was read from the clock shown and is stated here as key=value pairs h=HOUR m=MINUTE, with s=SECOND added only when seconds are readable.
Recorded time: h=11 m=54
